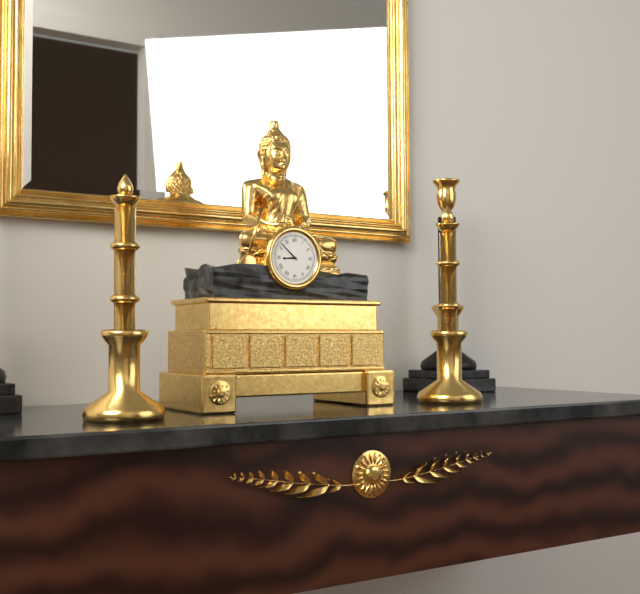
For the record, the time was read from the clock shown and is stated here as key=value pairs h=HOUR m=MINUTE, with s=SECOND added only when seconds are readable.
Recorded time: h=8 m=52
